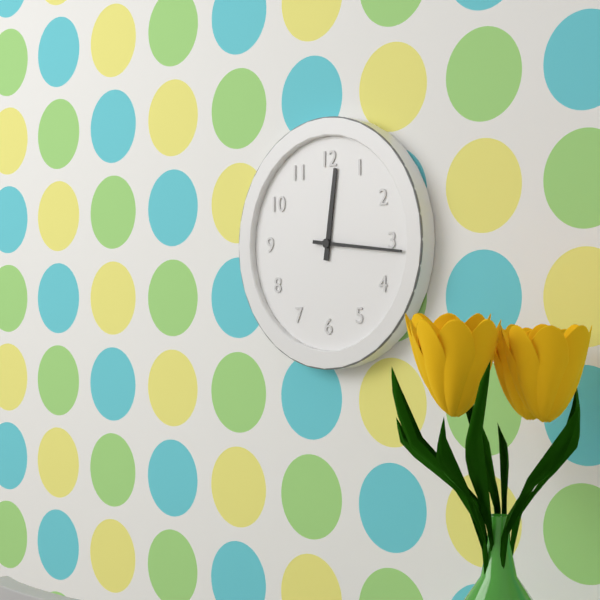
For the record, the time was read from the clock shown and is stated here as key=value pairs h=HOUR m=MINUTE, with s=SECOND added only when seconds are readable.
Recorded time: h=12 m=16
